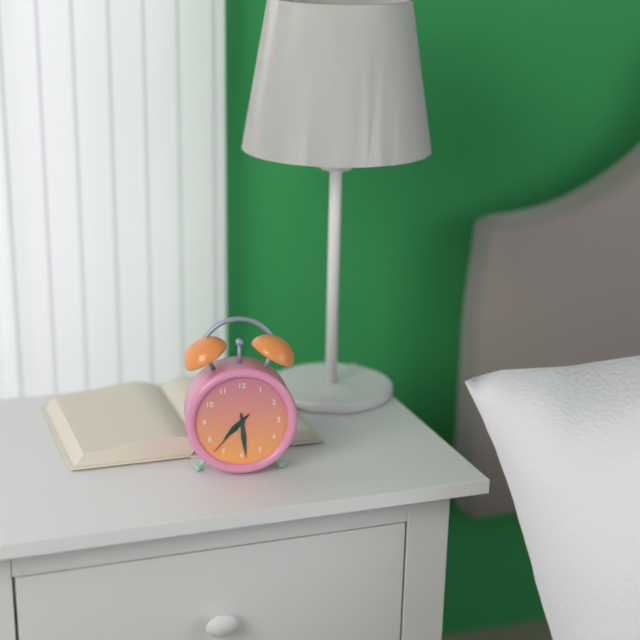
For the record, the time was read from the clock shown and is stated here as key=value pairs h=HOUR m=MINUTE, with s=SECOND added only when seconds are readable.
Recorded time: h=7 m=29 s=37
